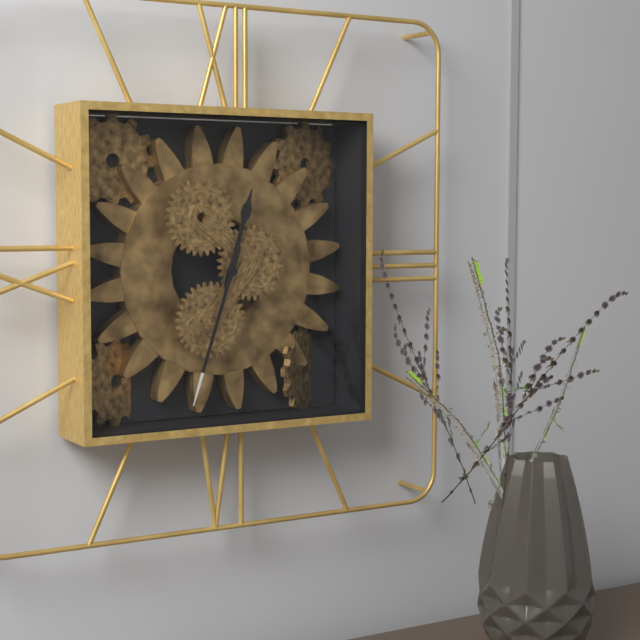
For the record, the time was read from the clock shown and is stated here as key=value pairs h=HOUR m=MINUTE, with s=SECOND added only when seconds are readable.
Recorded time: h=12 m=33
